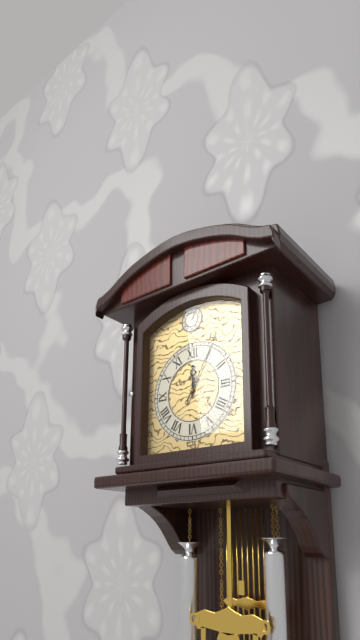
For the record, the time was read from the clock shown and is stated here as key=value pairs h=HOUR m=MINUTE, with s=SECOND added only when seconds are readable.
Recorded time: h=12 m=5
